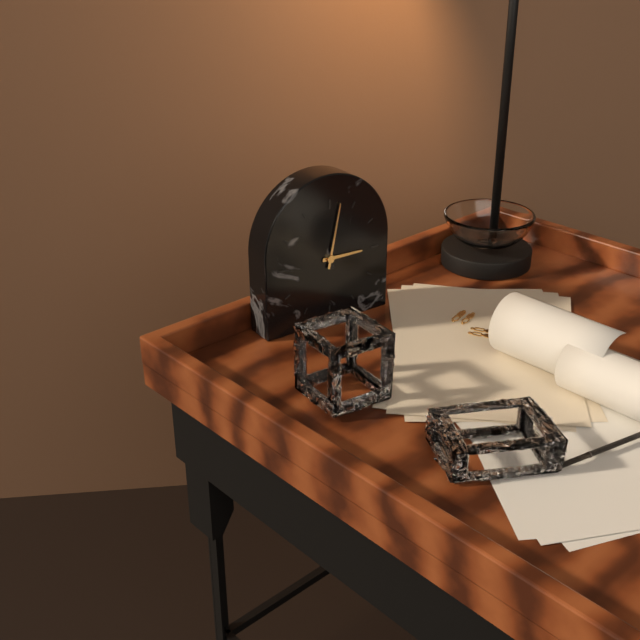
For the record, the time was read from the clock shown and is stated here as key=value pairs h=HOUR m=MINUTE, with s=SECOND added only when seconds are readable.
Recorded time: h=3 m=2
